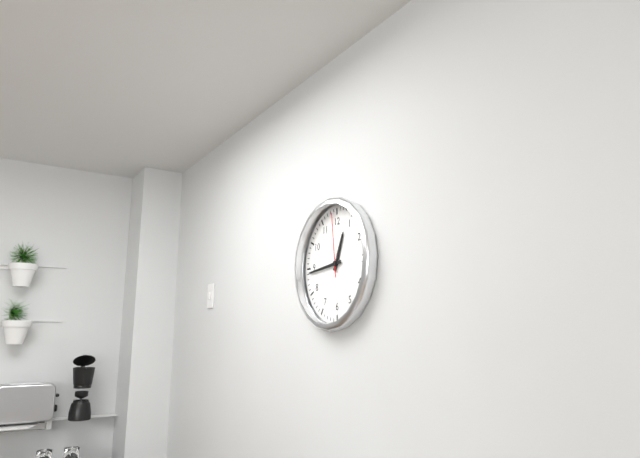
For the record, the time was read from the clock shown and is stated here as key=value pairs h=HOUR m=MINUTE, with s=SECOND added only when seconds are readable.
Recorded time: h=12 m=44 s=59
